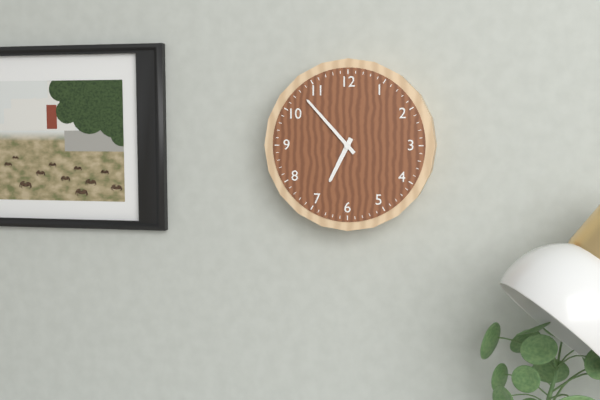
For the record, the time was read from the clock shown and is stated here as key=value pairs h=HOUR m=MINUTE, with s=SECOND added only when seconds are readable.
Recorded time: h=6 m=53
